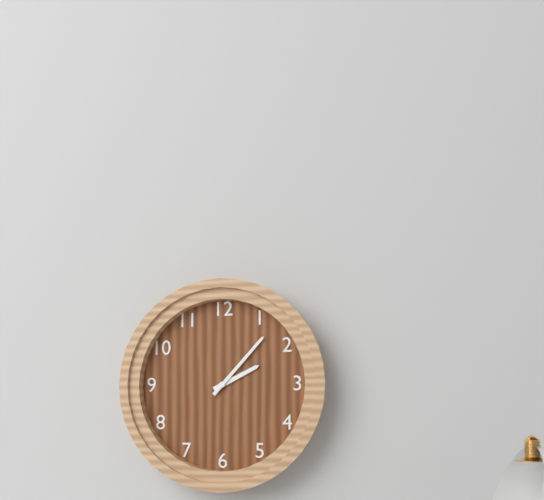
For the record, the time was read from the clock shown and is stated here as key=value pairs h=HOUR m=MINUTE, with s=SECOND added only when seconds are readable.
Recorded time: h=2 m=7
